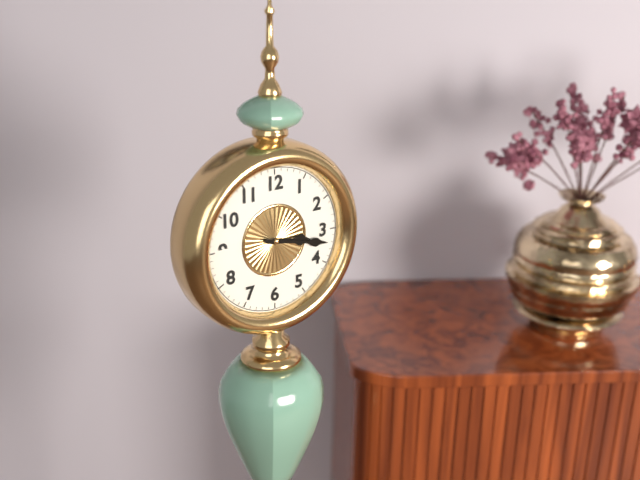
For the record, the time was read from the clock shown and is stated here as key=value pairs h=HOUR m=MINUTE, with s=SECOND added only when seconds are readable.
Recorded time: h=3 m=17
